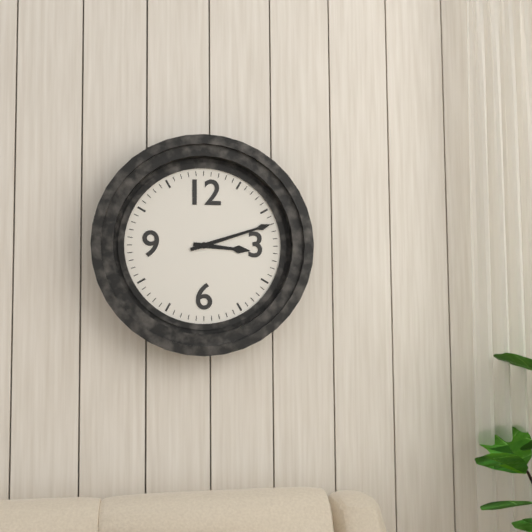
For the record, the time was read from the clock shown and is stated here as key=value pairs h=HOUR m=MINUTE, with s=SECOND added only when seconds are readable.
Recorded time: h=3 m=12
